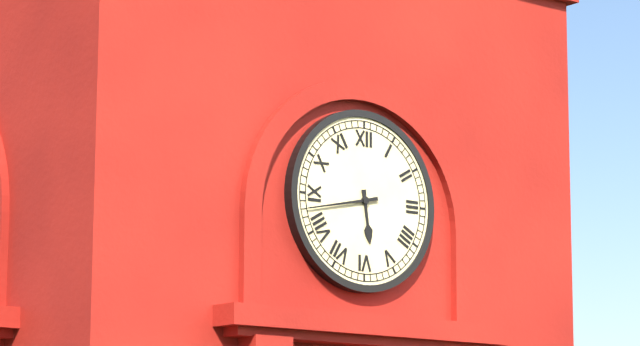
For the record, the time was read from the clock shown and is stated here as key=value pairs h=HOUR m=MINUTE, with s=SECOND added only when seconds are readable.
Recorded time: h=5 m=43
